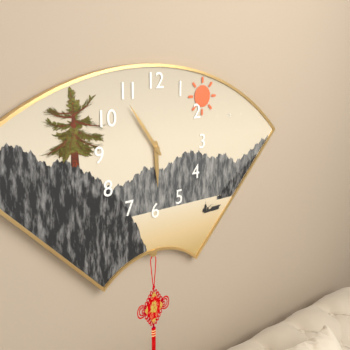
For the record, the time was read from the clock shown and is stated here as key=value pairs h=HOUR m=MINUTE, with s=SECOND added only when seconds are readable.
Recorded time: h=5 m=54
